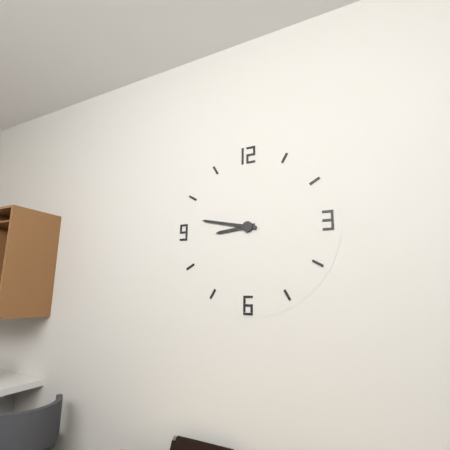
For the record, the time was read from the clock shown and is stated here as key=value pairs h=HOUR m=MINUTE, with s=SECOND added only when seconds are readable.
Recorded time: h=8 m=47
